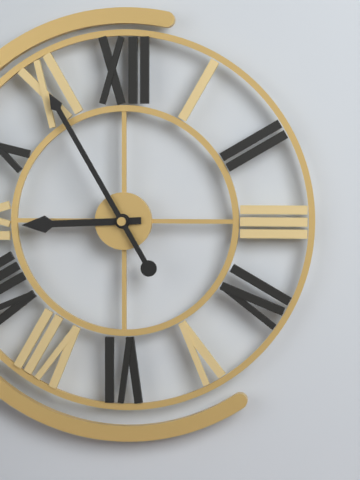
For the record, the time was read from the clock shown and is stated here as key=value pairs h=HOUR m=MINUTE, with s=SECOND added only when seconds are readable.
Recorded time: h=8 m=55
